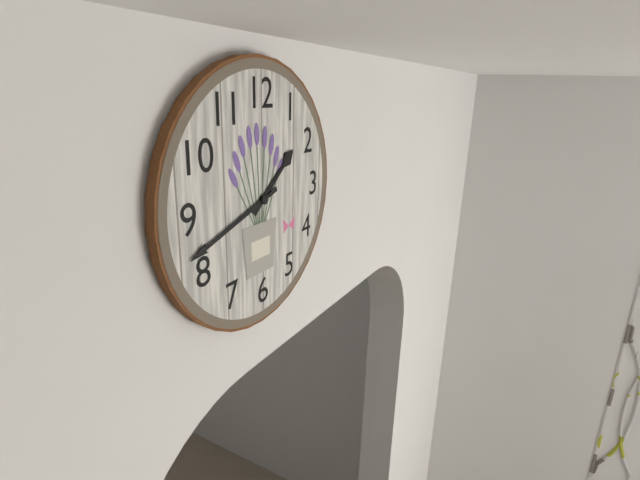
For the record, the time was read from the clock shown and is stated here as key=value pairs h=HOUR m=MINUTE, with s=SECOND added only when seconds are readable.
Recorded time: h=1 m=42
